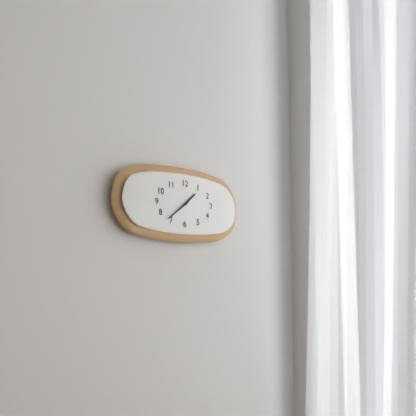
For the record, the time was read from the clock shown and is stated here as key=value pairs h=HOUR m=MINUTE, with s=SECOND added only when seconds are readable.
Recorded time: h=1 m=39
